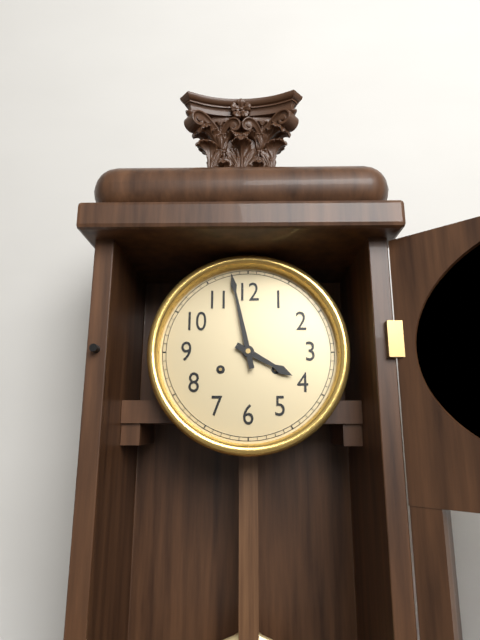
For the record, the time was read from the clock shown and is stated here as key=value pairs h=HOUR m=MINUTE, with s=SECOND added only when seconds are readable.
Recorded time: h=3 m=58
